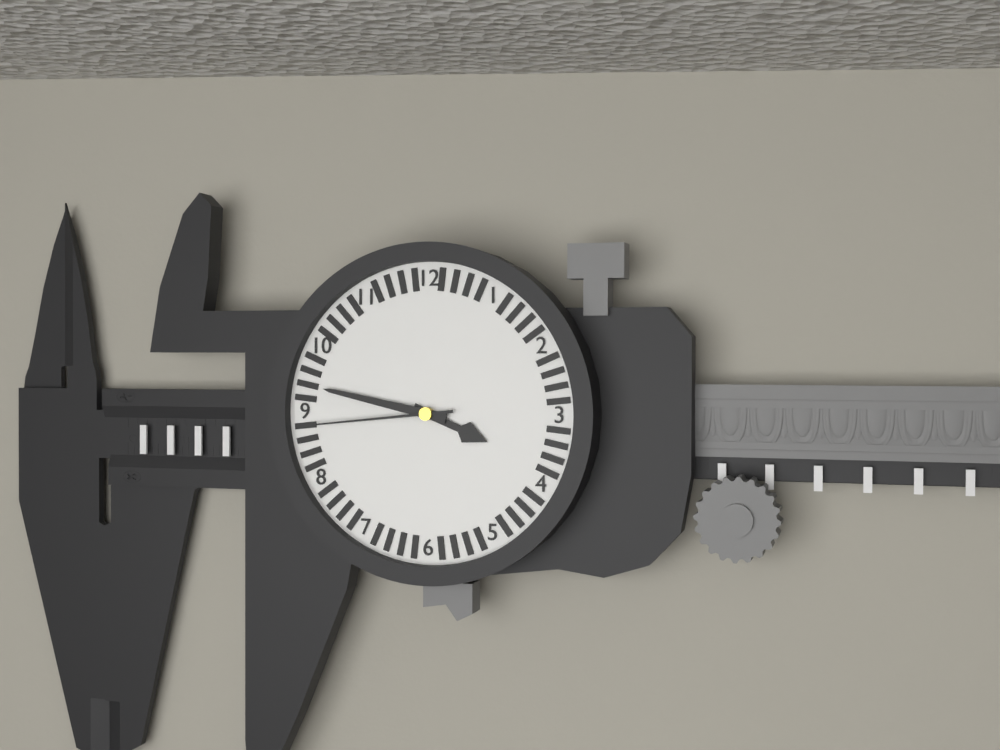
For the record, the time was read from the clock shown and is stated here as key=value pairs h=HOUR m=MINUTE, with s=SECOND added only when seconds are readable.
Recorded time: h=3 m=47 s=44
